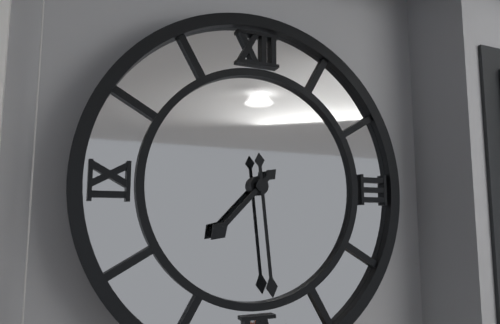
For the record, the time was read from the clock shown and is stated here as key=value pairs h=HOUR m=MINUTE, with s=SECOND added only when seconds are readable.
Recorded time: h=7 m=29
